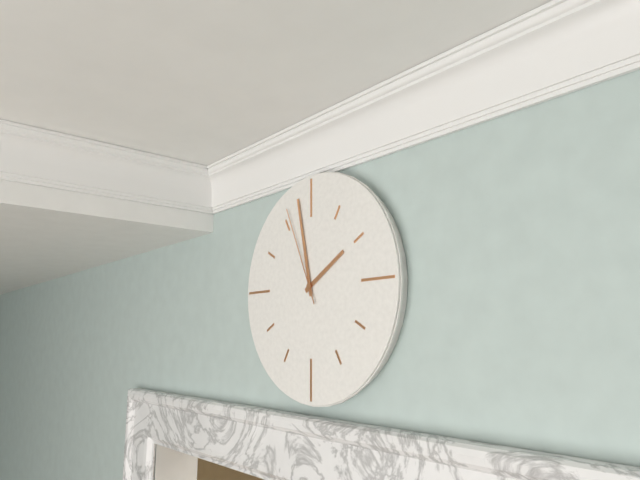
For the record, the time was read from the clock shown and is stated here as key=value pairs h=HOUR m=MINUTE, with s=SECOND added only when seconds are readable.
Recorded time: h=1 m=58 s=56
